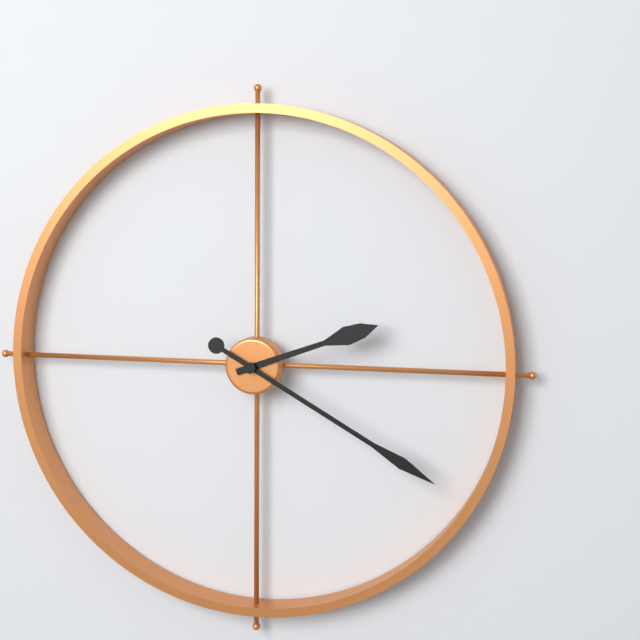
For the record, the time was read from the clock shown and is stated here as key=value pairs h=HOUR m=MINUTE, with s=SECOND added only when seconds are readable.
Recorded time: h=2 m=20
